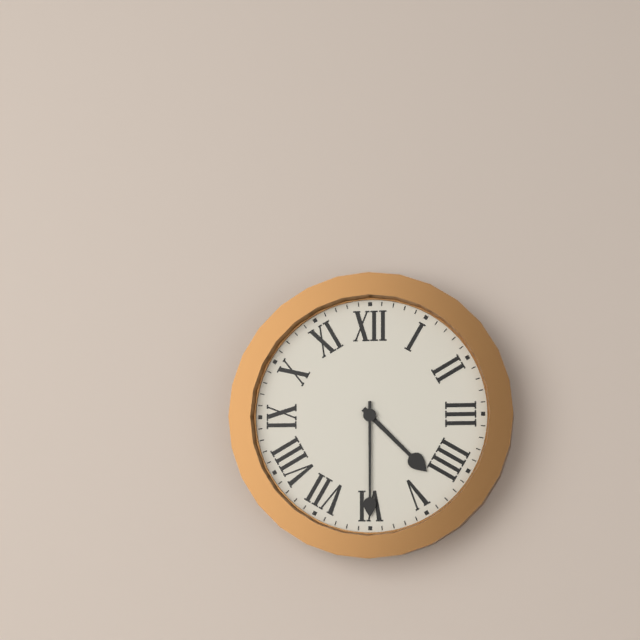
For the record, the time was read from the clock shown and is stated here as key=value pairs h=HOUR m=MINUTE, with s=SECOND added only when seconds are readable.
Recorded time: h=4 m=30
